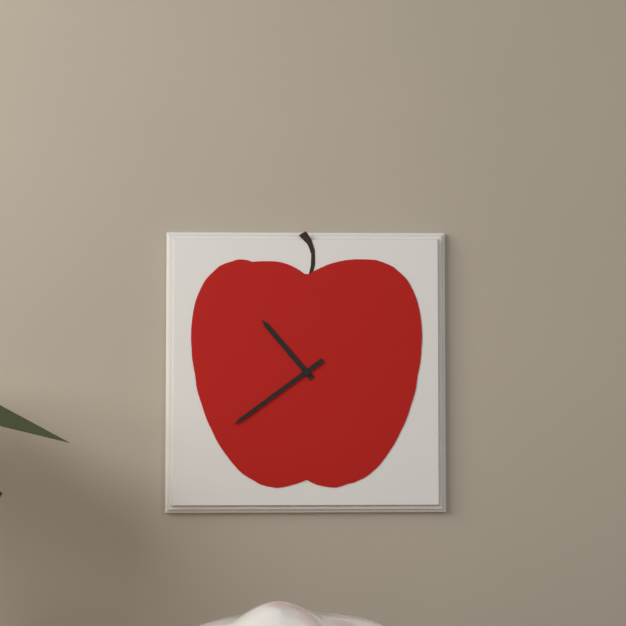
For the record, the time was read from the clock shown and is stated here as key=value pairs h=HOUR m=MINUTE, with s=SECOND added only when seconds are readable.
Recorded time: h=10 m=39
